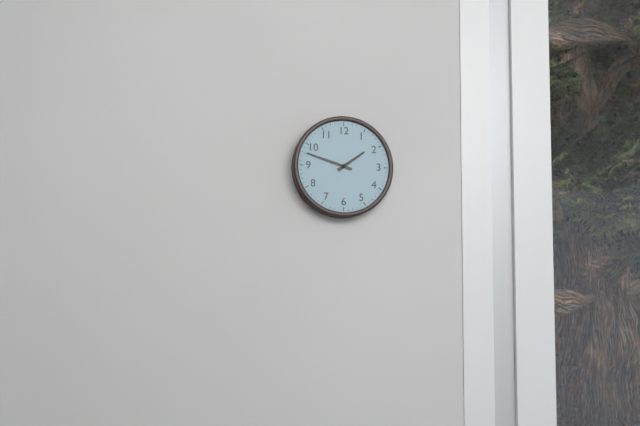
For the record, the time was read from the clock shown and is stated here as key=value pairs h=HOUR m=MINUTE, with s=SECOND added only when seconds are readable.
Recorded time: h=1 m=48
